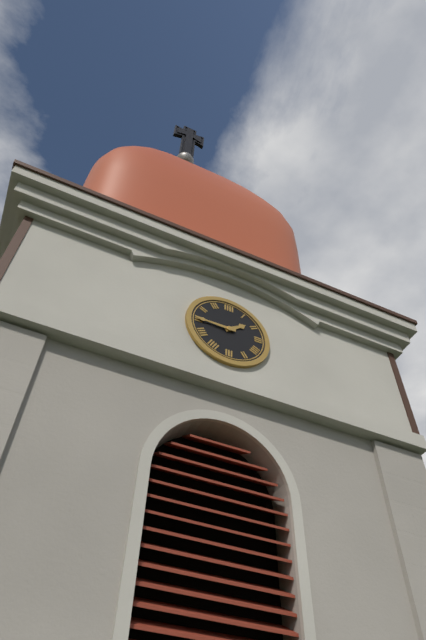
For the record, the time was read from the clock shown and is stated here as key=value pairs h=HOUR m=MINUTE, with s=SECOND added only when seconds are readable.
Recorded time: h=1 m=45
